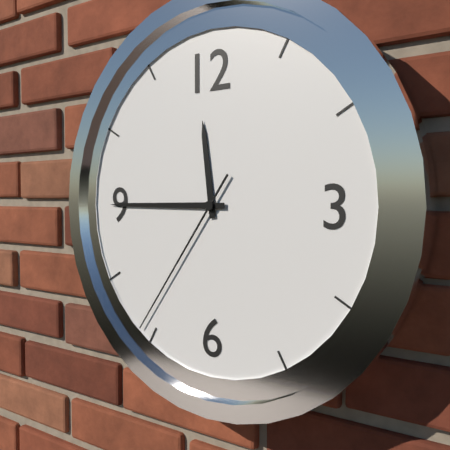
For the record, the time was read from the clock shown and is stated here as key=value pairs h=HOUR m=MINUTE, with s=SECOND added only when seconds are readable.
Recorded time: h=11 m=45 s=36
